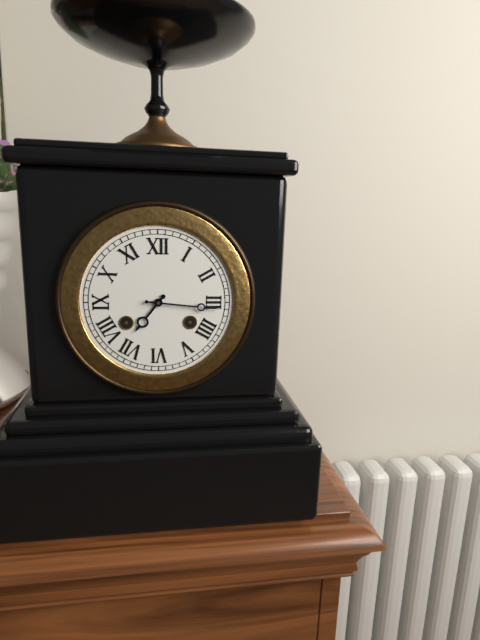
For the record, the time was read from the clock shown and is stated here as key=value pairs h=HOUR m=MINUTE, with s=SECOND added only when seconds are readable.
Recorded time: h=7 m=16
